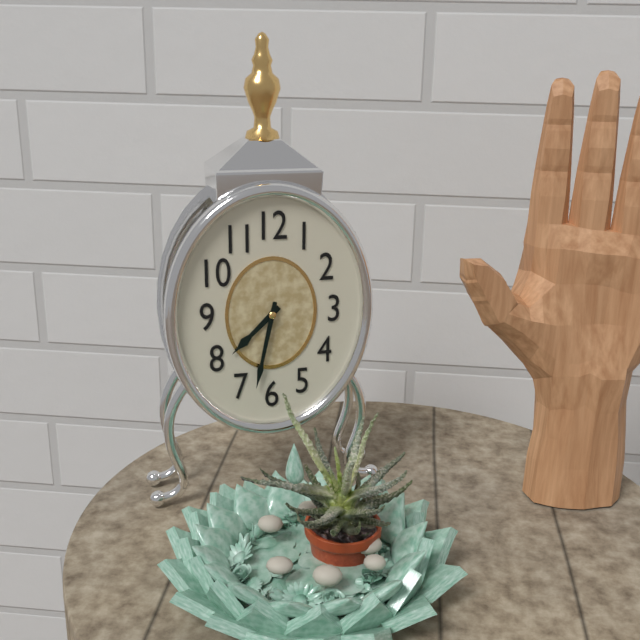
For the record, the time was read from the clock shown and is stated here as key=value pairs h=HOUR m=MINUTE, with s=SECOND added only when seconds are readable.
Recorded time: h=7 m=32
